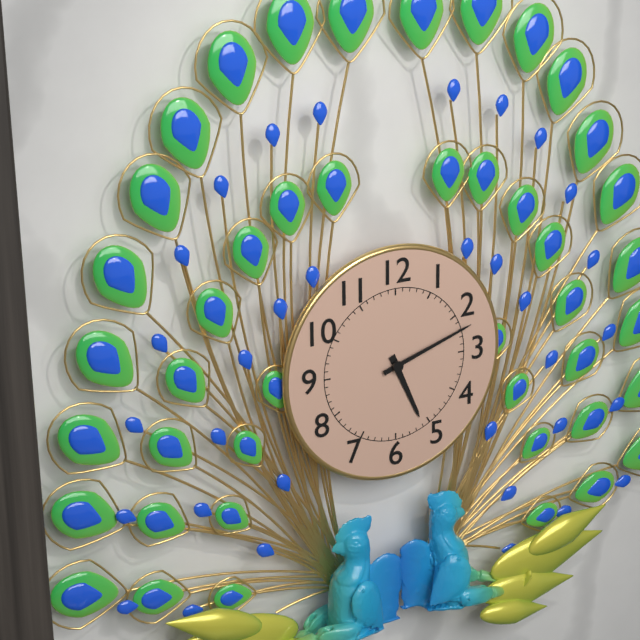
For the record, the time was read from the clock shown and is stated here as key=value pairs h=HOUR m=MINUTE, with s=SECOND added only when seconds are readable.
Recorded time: h=5 m=12
